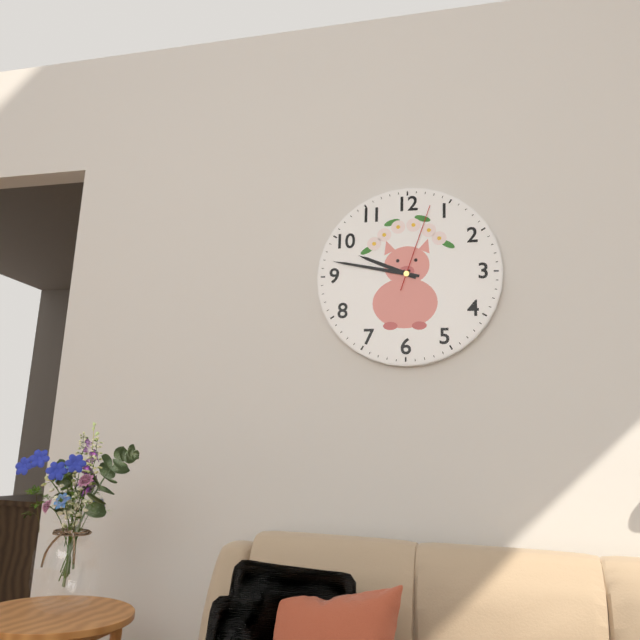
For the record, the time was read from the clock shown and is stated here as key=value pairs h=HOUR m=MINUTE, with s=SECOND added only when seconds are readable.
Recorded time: h=9 m=47 s=3
